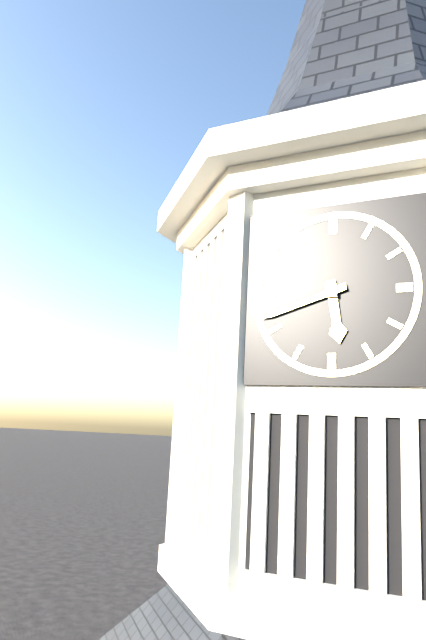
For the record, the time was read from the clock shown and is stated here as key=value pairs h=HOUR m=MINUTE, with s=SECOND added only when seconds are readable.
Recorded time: h=5 m=42
